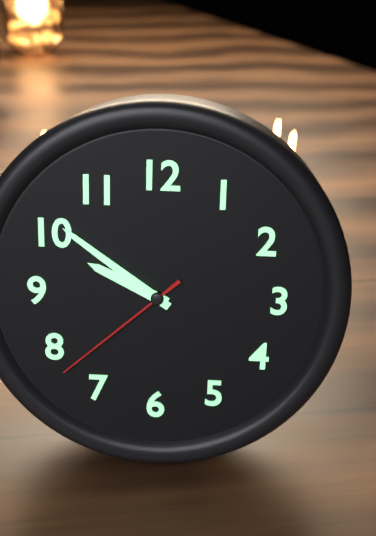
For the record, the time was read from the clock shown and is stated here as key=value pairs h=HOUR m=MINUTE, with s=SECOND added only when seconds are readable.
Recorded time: h=9 m=51 s=38
